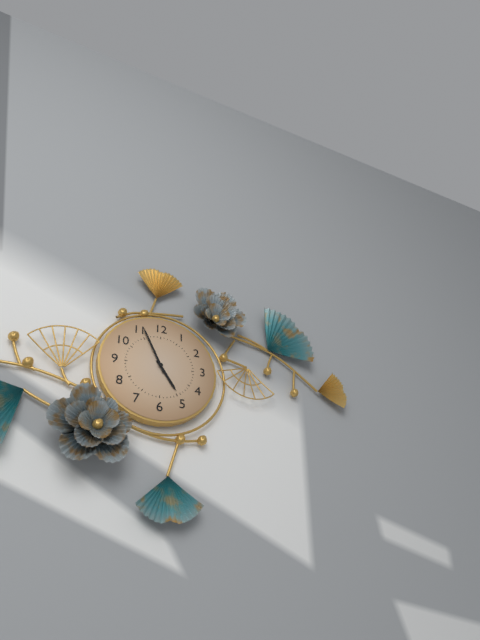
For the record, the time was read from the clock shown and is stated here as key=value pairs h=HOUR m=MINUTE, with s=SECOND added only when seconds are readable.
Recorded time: h=4 m=56
